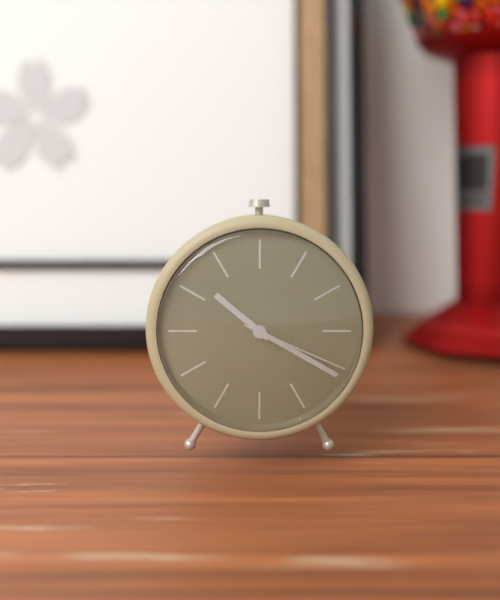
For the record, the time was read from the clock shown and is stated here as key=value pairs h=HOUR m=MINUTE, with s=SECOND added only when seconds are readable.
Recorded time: h=10 m=20 s=19
